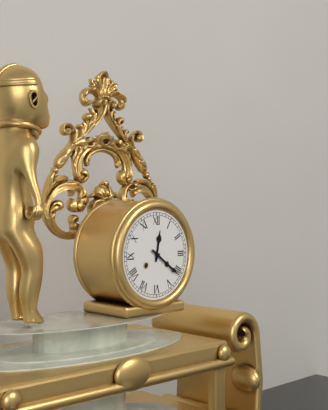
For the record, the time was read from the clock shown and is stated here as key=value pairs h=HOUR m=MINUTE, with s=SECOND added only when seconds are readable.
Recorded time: h=12 m=21
